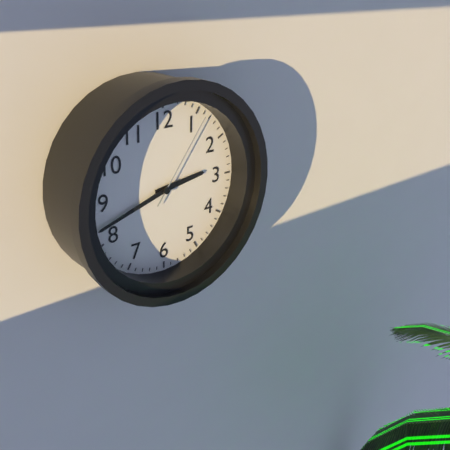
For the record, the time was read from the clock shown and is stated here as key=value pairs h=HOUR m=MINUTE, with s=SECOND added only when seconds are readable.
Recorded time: h=2 m=42 s=6
